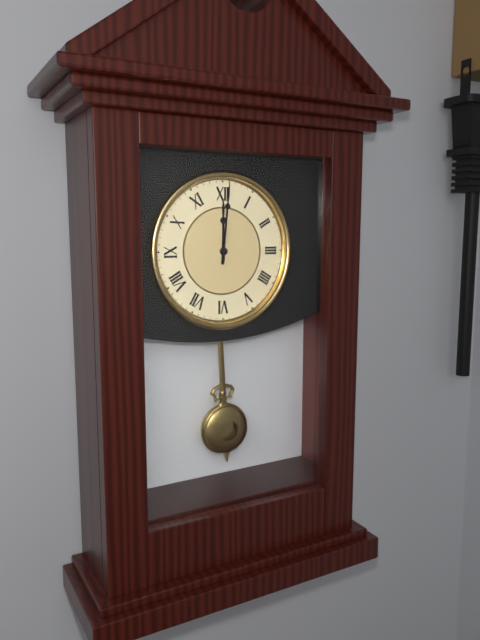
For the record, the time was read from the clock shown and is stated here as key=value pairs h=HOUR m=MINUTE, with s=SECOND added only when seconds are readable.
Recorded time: h=12 m=1
